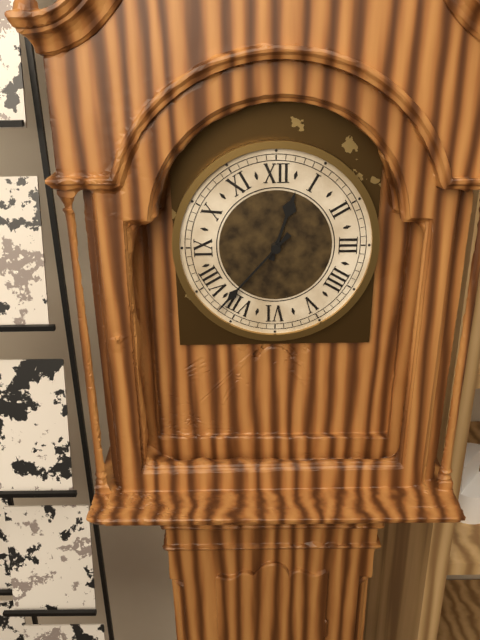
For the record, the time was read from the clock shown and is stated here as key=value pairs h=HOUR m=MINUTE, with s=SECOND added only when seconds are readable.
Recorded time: h=12 m=37
